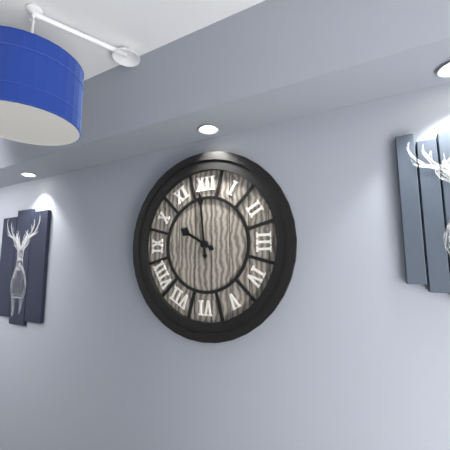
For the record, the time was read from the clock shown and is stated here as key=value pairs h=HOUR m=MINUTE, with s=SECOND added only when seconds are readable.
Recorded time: h=9 m=59
